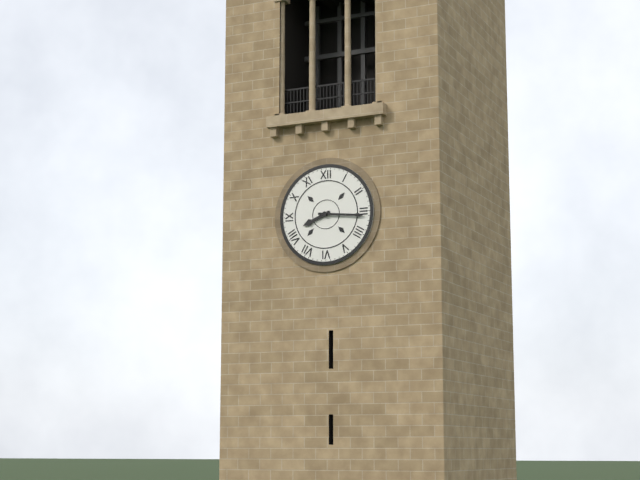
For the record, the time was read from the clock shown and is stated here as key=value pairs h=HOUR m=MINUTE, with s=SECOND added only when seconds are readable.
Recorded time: h=8 m=16
